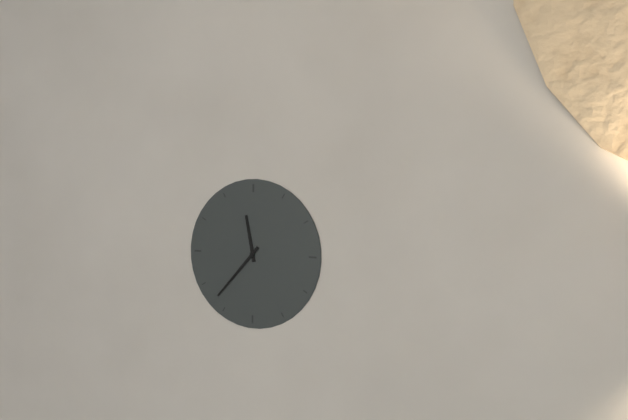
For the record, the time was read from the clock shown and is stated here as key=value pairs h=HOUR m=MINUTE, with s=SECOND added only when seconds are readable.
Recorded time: h=11 m=37
